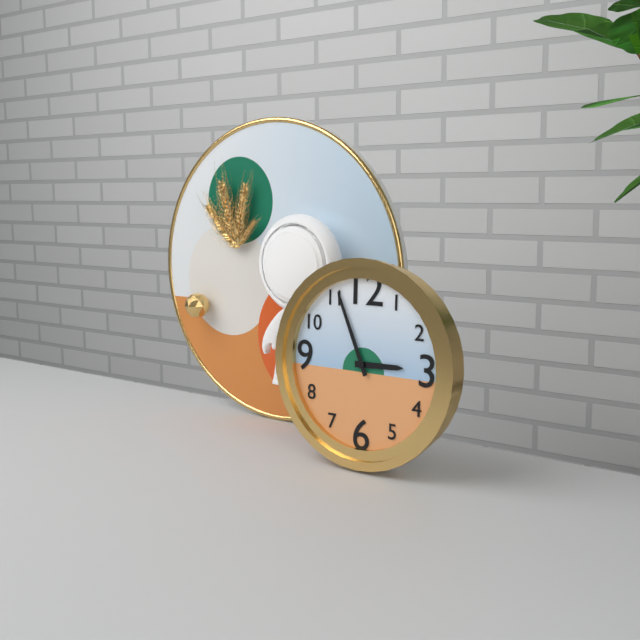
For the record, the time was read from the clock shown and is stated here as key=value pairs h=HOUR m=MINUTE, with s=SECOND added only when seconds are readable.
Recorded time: h=2 m=56
